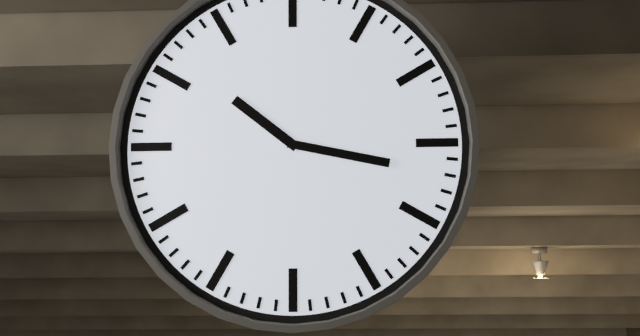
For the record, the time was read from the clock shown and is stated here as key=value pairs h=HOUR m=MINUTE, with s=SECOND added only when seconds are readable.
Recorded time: h=10 m=17
